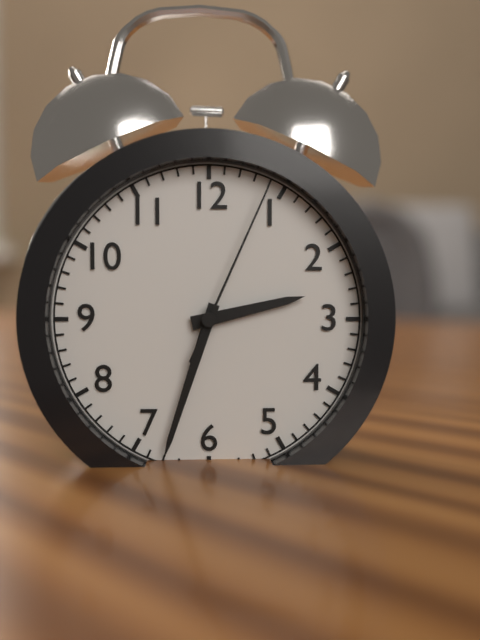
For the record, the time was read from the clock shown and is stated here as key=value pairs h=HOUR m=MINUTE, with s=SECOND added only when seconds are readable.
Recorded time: h=2 m=33 s=4
